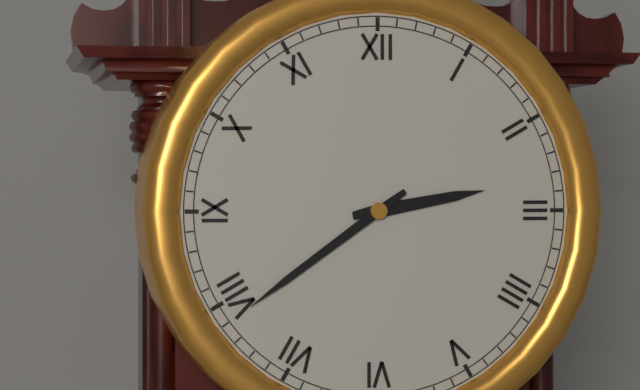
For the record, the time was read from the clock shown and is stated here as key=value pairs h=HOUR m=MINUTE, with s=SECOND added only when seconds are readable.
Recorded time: h=2 m=39
